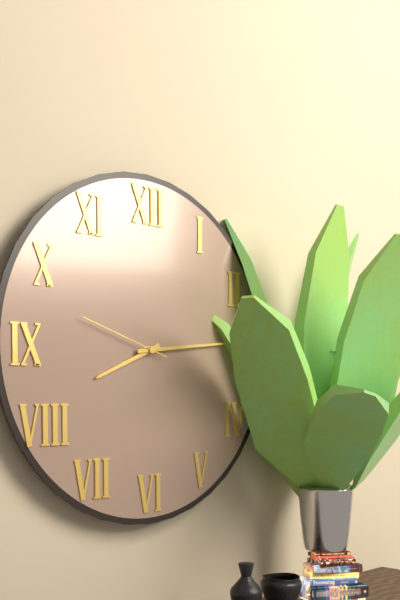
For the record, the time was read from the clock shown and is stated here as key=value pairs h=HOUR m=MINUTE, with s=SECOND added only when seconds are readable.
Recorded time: h=8 m=14 s=48
